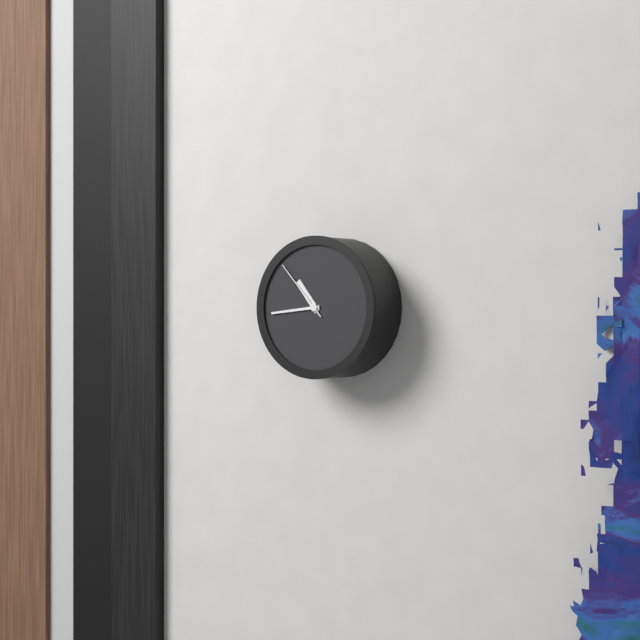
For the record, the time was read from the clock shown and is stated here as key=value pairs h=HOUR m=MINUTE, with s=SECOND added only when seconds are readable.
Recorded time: h=10 m=44 s=53
